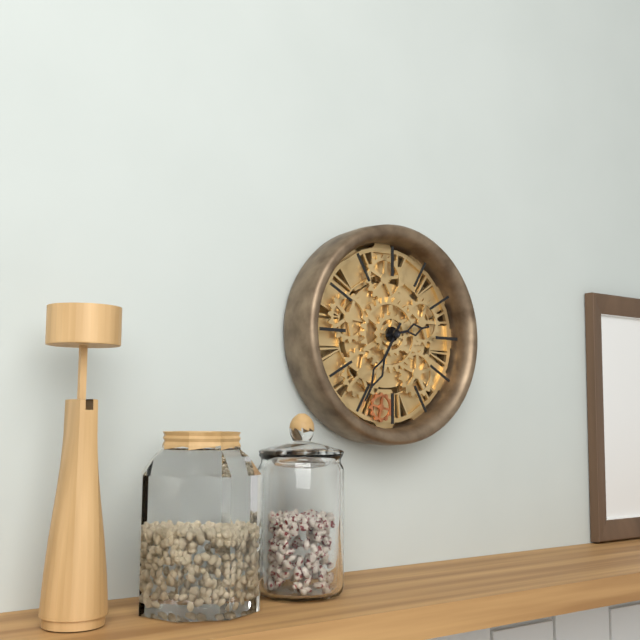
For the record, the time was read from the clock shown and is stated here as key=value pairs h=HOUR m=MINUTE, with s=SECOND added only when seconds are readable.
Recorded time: h=2 m=35
